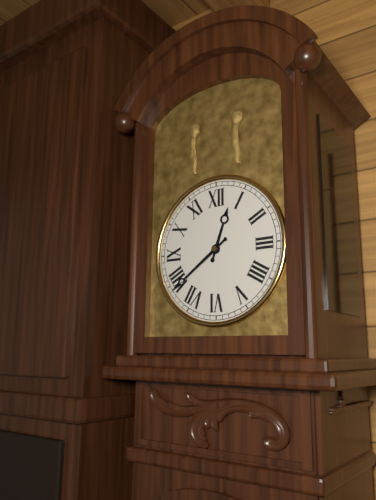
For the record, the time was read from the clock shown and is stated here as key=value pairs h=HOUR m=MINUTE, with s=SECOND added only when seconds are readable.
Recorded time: h=12 m=39
